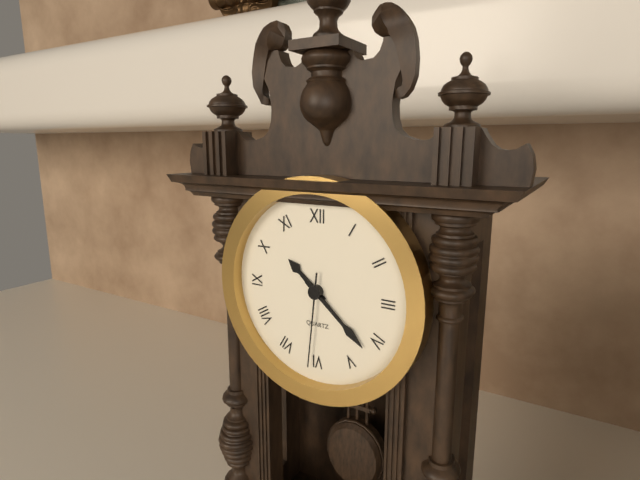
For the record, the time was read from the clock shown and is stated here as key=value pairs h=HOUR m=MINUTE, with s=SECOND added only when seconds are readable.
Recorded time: h=10 m=22 s=31
